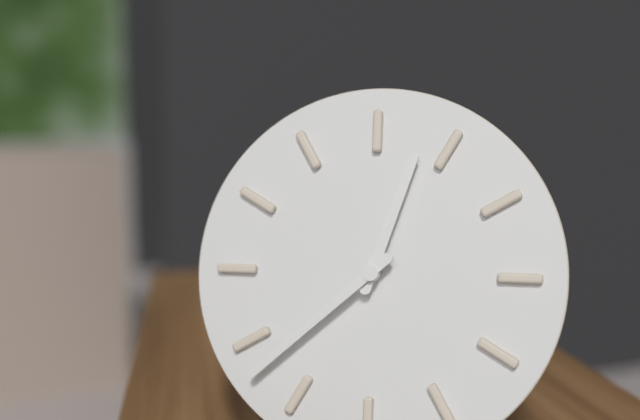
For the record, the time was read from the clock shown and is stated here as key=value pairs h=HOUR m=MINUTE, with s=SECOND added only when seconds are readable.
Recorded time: h=12 m=38
